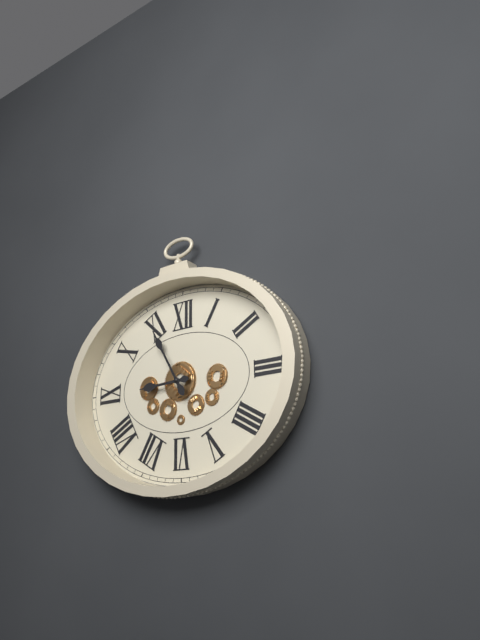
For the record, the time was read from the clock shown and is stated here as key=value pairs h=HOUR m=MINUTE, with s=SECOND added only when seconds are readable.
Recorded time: h=8 m=55
